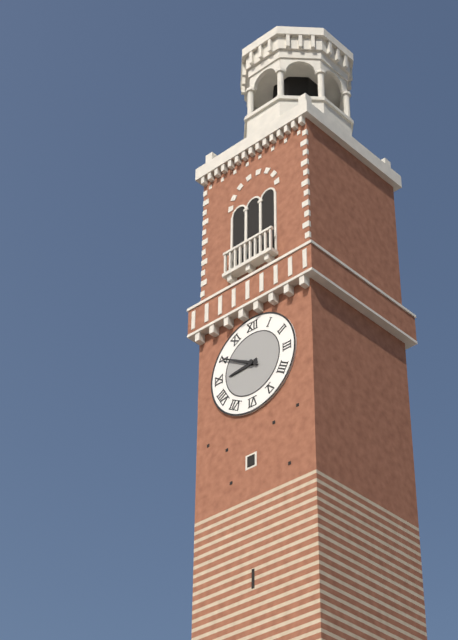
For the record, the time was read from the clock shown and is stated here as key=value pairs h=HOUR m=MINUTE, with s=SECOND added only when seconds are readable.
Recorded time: h=8 m=50
